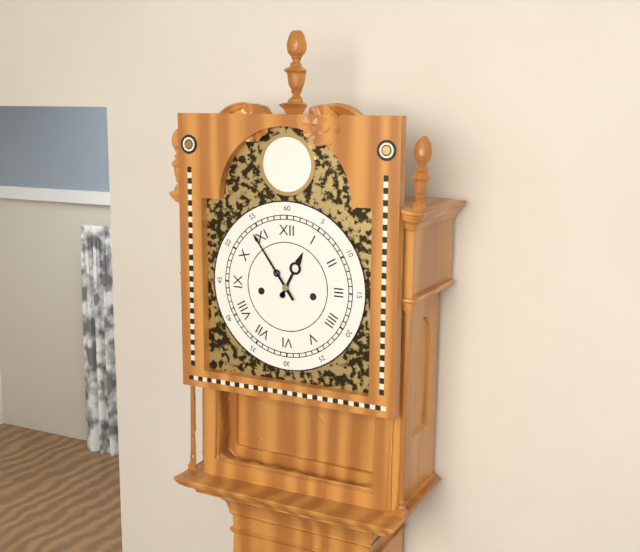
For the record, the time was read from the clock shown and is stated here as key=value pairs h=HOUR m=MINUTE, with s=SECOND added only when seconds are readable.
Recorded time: h=12 m=54
